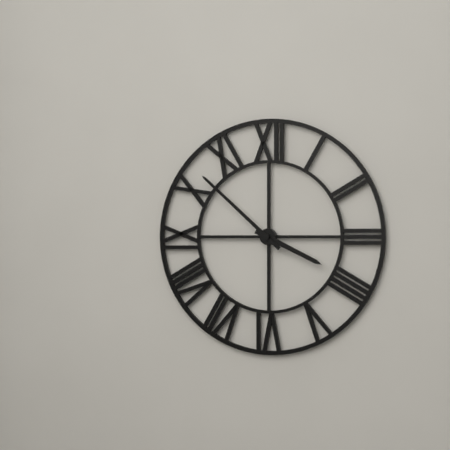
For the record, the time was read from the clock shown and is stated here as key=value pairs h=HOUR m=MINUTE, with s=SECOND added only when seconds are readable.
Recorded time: h=3 m=52
